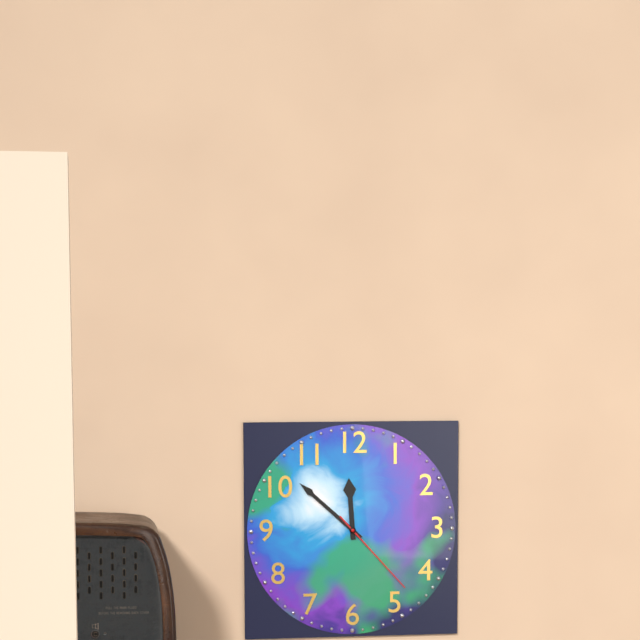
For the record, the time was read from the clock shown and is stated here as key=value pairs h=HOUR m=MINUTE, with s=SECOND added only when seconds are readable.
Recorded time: h=11 m=52 s=23
